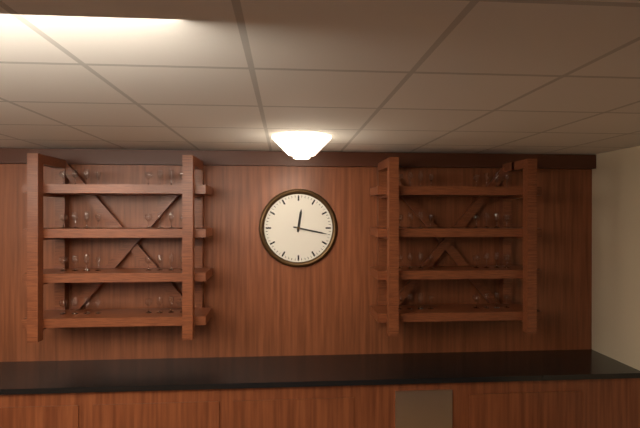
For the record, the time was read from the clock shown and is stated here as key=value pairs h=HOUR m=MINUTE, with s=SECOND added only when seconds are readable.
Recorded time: h=12 m=17
